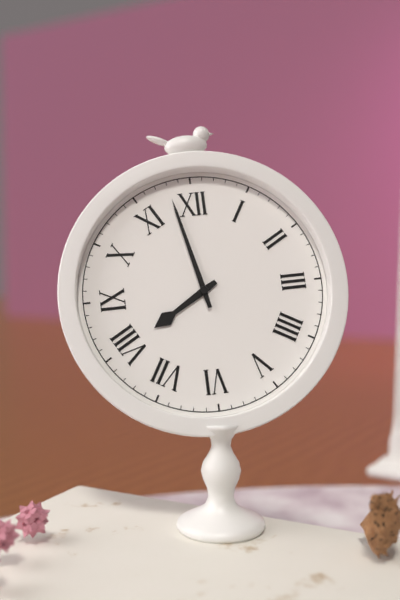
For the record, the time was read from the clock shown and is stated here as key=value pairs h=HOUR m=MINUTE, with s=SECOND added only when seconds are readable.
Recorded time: h=7 m=58
